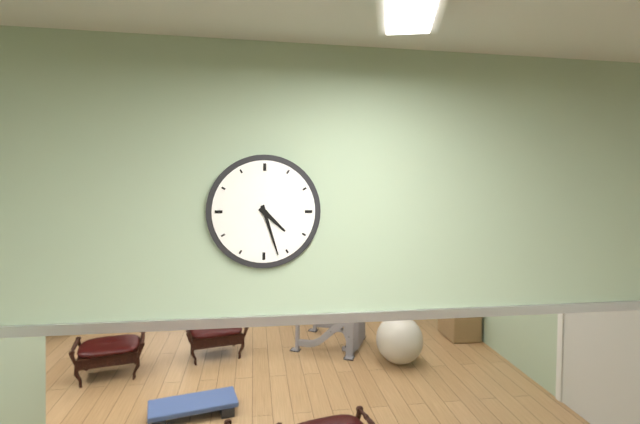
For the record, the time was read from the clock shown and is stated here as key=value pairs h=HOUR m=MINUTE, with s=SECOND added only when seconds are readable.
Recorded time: h=4 m=27
